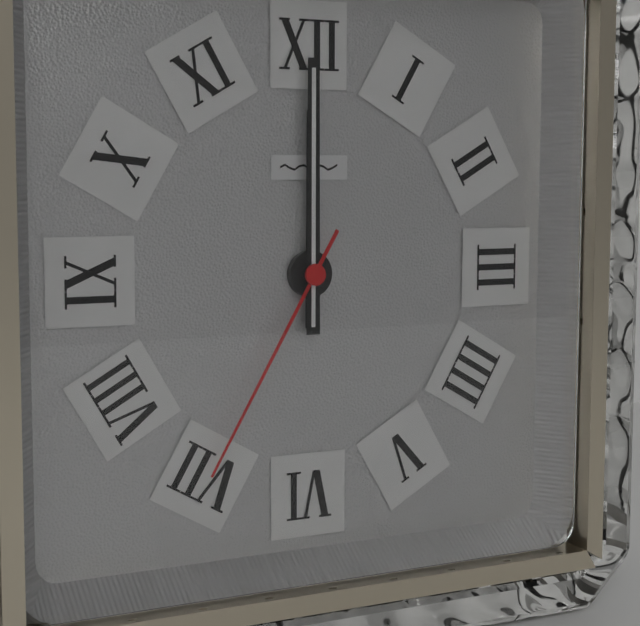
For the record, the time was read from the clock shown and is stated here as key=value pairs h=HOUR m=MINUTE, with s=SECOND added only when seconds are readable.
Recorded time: h=12 m=0 s=35
